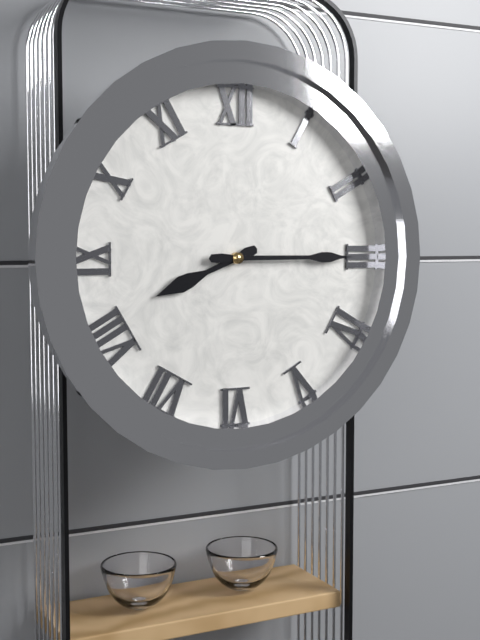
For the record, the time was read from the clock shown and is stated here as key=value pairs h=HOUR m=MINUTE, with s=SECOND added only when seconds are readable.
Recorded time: h=8 m=15
